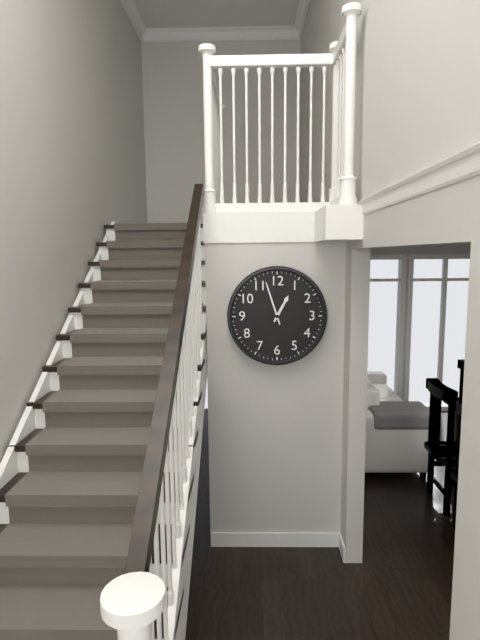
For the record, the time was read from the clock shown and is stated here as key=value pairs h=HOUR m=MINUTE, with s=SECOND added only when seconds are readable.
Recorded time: h=12 m=57
